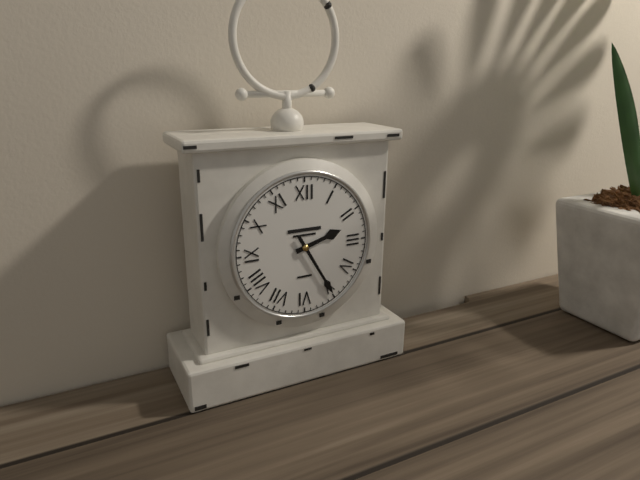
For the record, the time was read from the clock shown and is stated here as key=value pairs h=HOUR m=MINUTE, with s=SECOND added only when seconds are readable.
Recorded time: h=2 m=25
